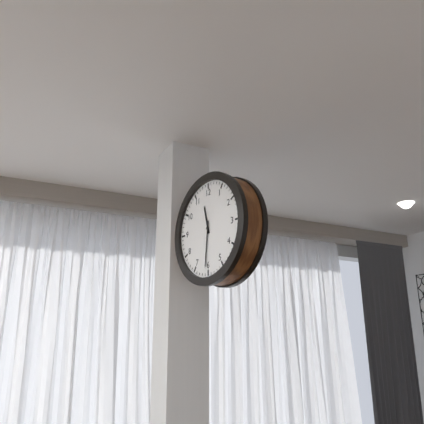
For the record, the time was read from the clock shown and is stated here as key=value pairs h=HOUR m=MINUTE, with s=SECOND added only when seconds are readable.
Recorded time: h=11 m=31
